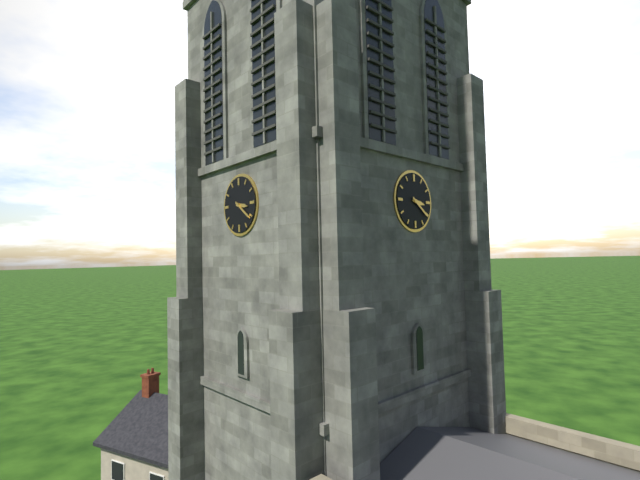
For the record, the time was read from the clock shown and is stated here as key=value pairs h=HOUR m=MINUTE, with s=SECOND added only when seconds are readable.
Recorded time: h=3 m=21
